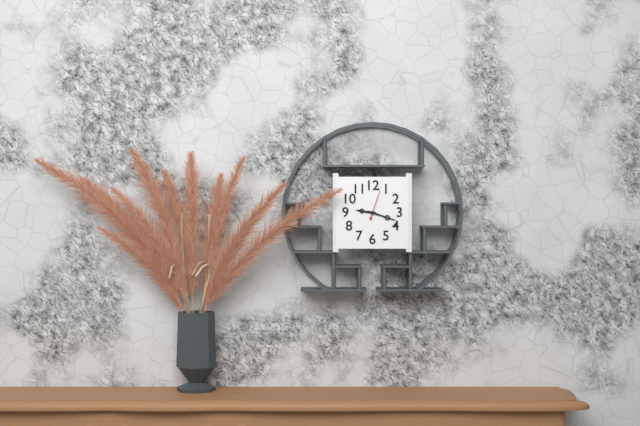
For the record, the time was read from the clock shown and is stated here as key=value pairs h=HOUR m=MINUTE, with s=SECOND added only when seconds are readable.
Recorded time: h=9 m=18
